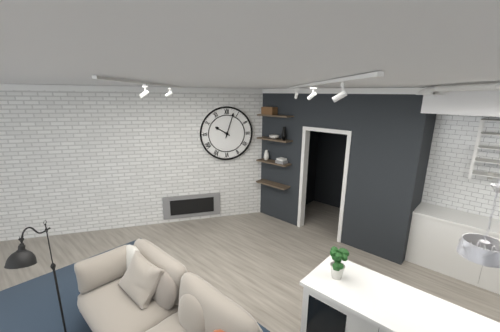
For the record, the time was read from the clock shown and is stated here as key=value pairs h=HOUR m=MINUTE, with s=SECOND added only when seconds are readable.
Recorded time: h=10 m=3
